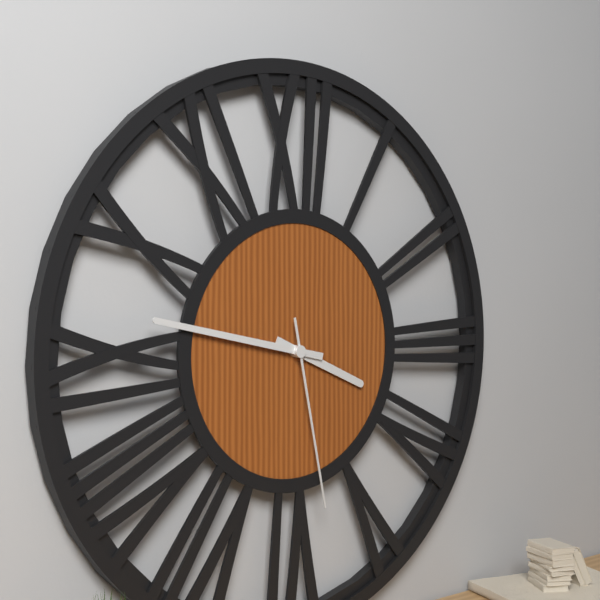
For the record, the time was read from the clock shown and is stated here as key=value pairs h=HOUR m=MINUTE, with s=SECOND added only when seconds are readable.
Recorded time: h=3 m=47 s=28
